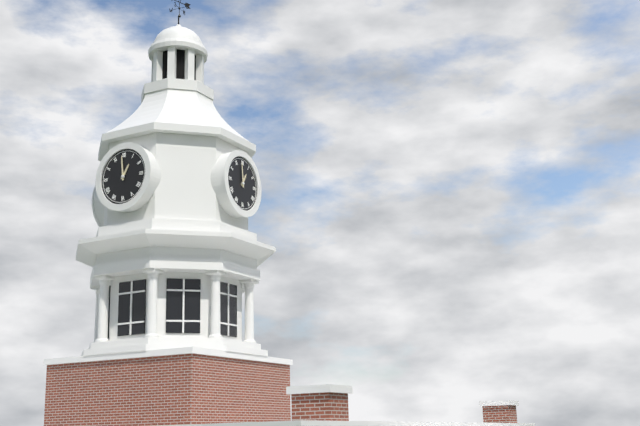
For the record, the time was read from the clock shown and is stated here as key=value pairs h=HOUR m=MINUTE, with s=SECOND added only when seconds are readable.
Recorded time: h=12 m=59
